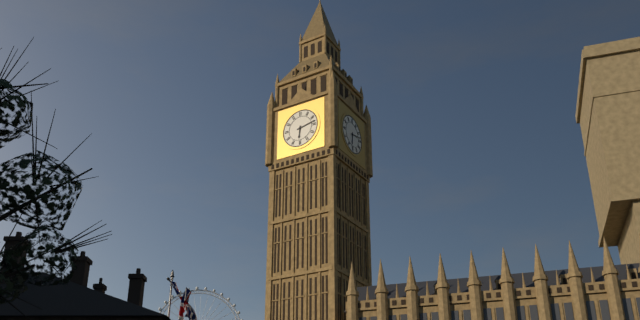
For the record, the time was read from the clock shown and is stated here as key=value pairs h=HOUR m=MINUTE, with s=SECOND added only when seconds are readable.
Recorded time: h=6 m=13
